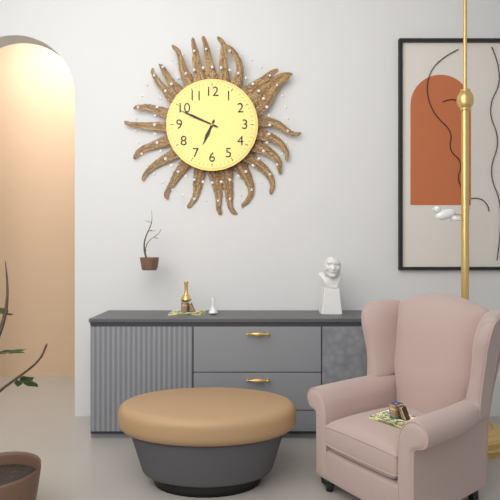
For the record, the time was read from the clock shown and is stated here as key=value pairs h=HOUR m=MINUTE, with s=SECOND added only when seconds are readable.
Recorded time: h=6 m=49
